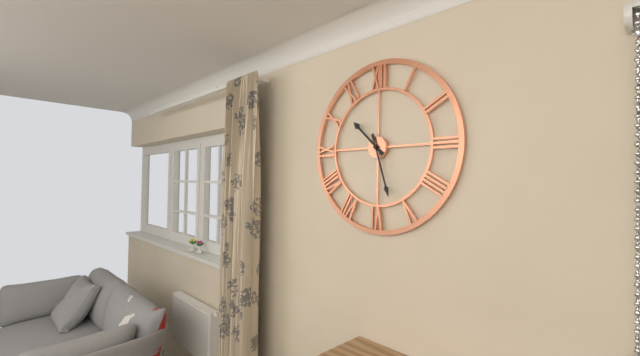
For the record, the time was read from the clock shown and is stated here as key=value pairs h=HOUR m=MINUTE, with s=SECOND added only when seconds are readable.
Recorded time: h=10 m=27
